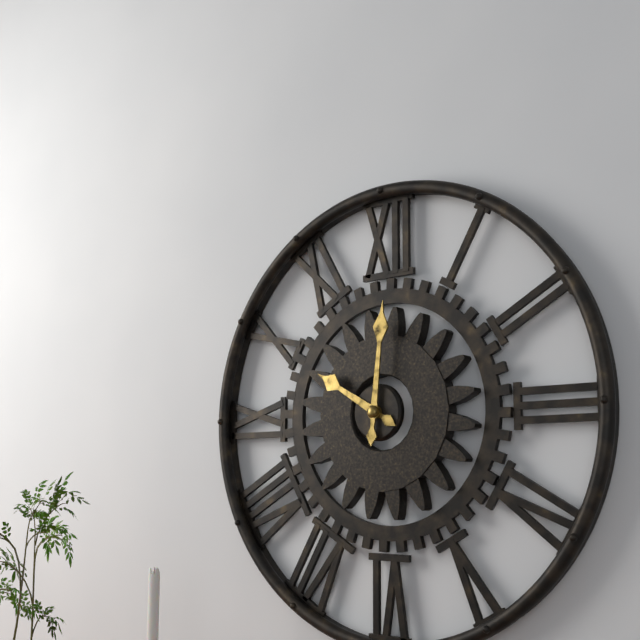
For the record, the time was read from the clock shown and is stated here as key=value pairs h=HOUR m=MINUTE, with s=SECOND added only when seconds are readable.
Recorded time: h=10 m=1
